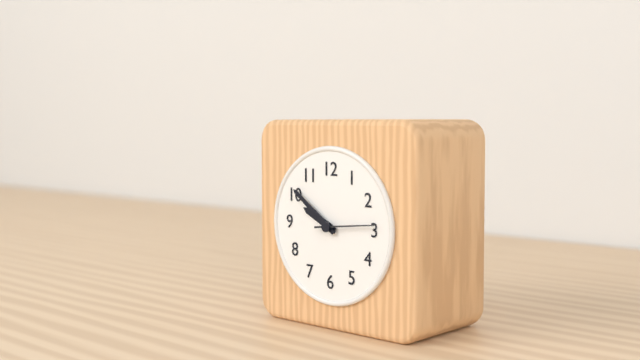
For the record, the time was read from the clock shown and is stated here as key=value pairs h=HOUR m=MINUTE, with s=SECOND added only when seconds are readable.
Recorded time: h=9 m=51 s=14
